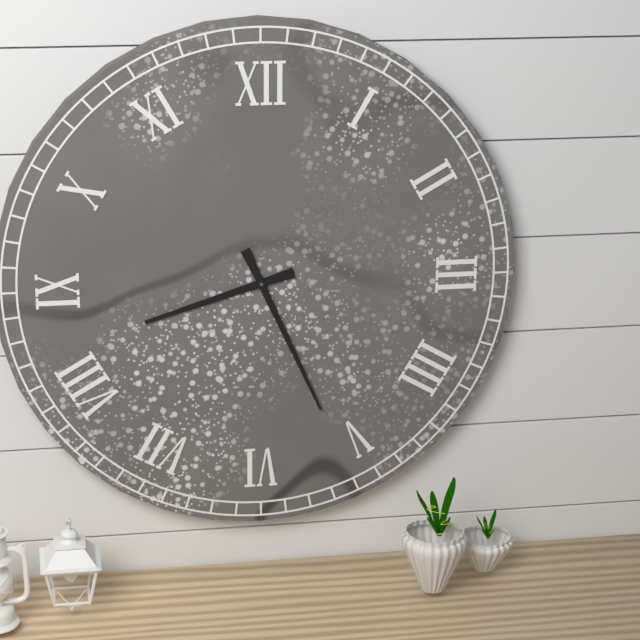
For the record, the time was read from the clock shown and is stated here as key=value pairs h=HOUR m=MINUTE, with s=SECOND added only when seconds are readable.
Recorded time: h=8 m=26
